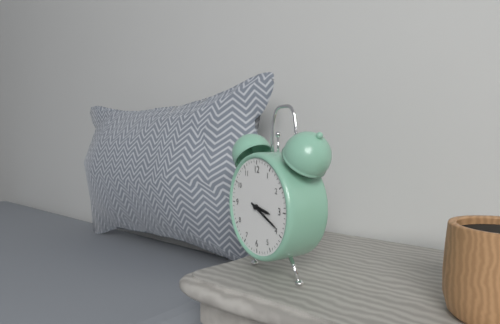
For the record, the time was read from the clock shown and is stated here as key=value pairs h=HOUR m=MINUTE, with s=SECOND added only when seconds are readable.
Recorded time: h=3 m=19
